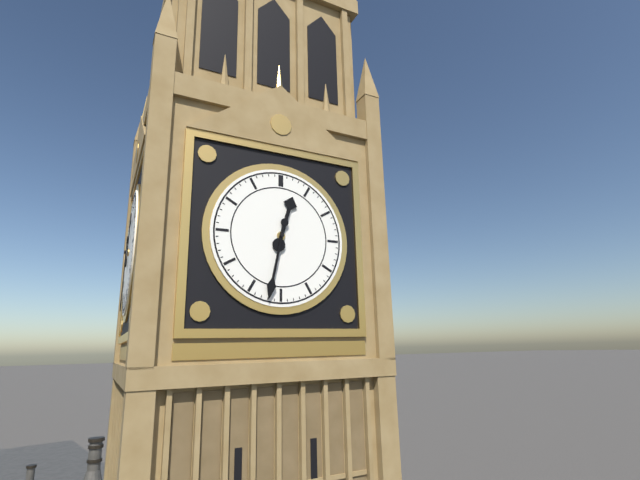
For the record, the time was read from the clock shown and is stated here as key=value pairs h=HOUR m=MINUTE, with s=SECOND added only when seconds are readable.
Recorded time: h=12 m=32
